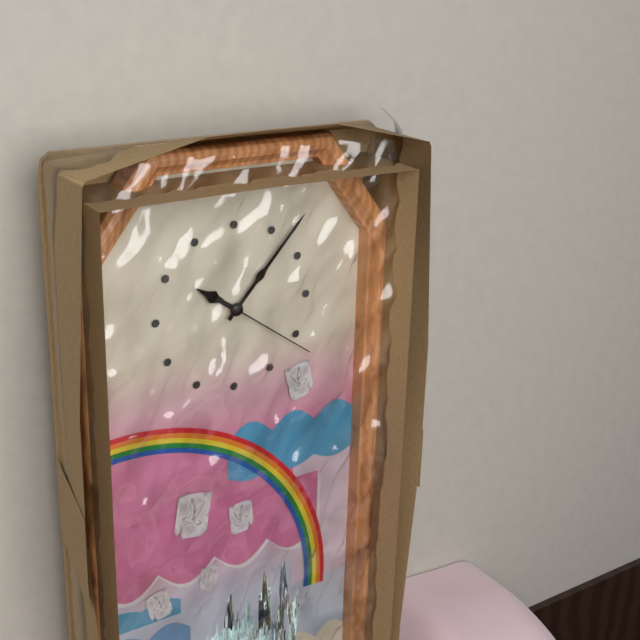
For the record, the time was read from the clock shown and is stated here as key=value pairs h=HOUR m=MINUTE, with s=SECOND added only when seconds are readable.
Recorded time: h=10 m=7 s=21
